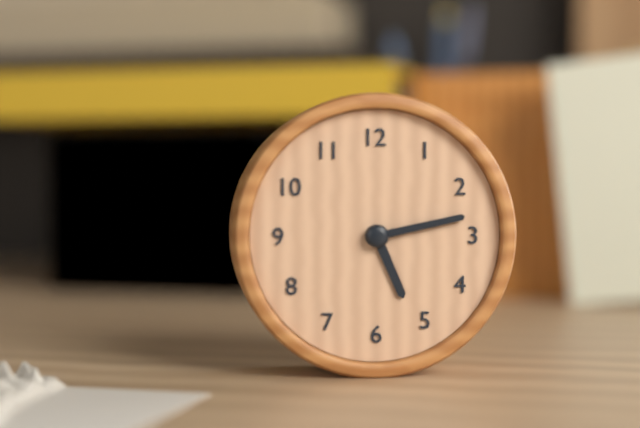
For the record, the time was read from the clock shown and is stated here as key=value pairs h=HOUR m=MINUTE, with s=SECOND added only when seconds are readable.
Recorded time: h=5 m=13
